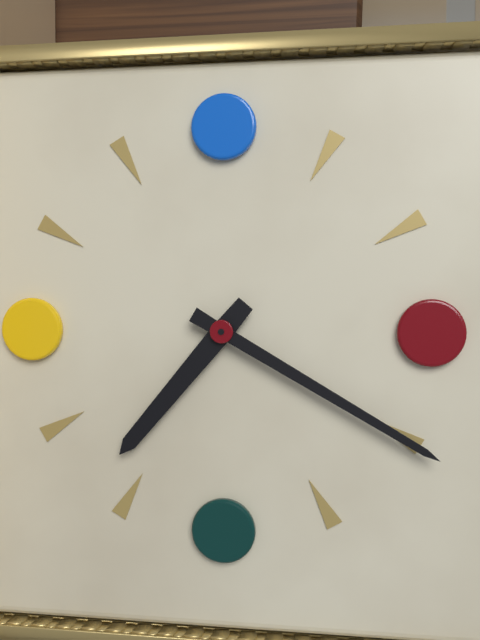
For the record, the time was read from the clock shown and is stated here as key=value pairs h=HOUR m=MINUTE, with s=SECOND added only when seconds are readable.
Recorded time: h=7 m=20
